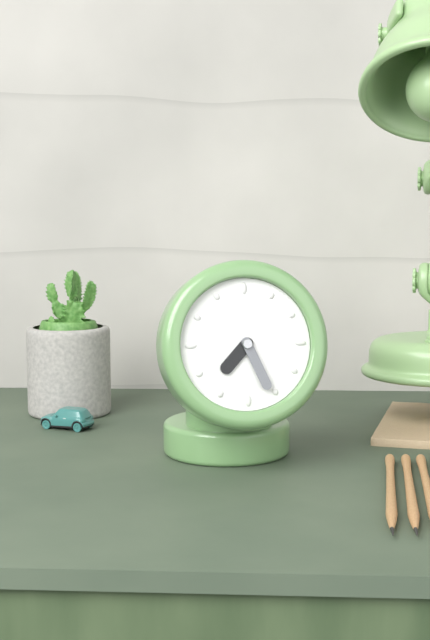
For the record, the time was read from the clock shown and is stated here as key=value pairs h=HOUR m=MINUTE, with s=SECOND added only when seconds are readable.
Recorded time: h=7 m=26
